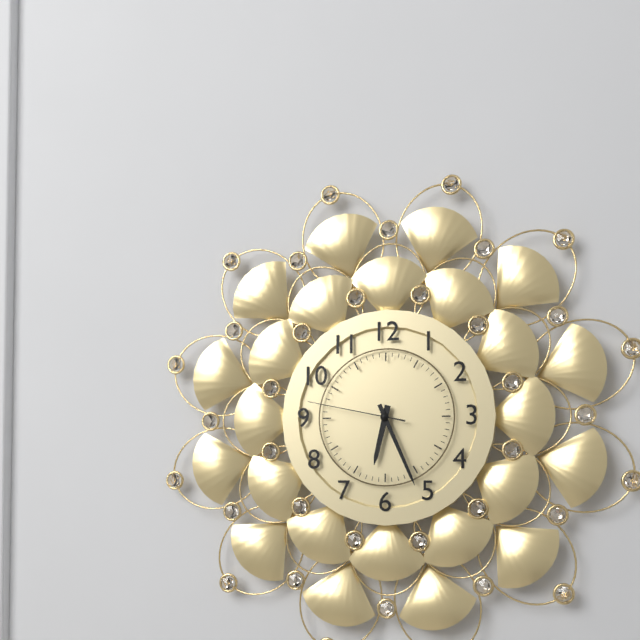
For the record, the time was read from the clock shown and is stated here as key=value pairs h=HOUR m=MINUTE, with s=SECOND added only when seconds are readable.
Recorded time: h=6 m=26 s=47
